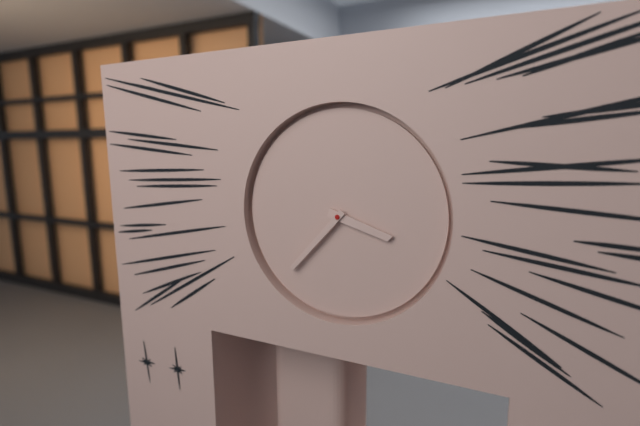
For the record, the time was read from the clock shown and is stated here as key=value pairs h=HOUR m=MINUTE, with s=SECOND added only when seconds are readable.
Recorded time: h=3 m=37
